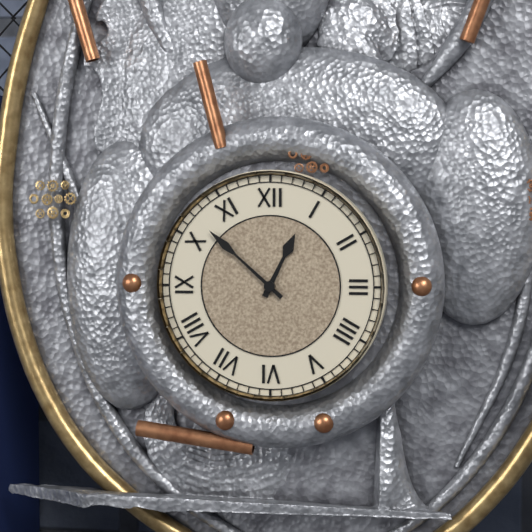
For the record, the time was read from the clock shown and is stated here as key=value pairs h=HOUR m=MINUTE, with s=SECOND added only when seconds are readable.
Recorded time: h=12 m=52
